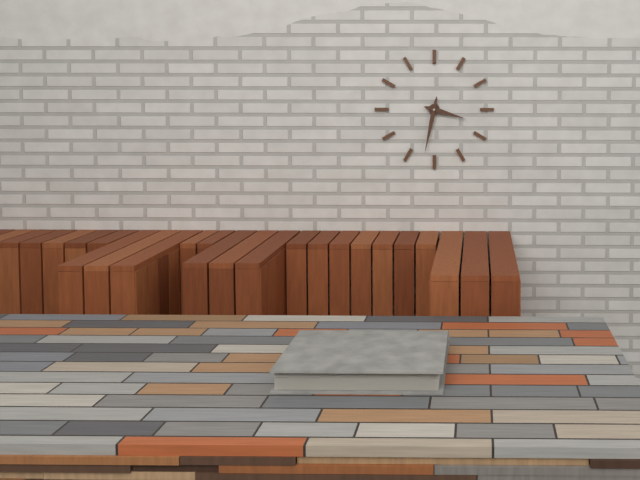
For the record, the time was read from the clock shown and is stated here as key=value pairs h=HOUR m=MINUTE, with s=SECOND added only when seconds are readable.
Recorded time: h=3 m=32
